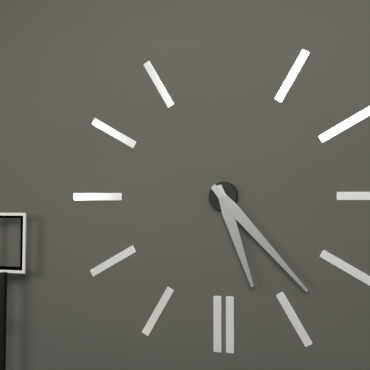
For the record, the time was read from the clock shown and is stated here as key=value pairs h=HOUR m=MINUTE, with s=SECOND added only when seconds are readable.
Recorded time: h=5 m=23
